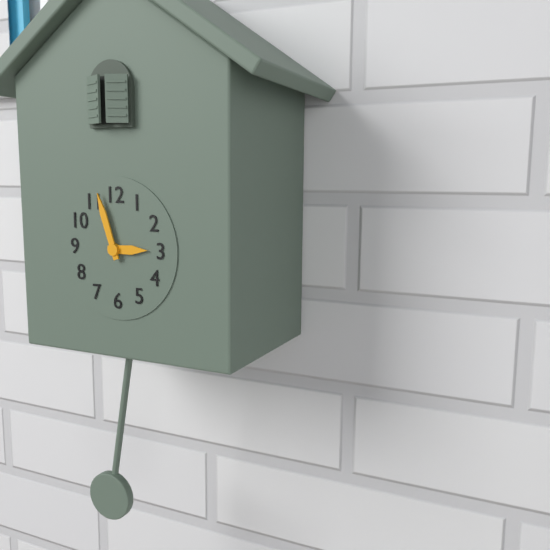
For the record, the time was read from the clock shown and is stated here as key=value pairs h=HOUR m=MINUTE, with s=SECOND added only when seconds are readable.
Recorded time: h=2 m=57
